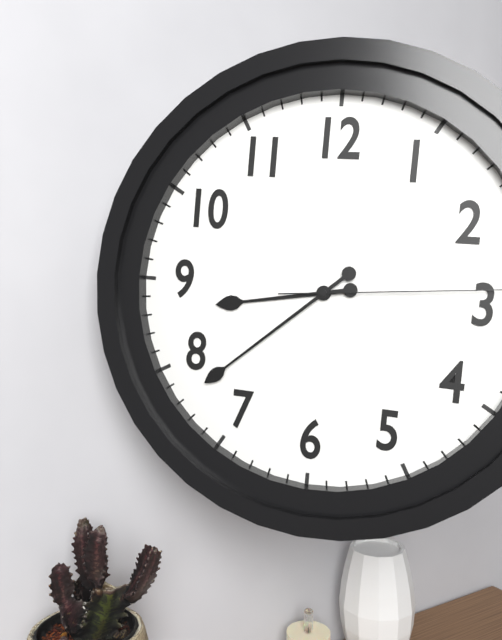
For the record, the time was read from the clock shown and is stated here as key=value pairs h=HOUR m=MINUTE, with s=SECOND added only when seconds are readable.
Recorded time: h=8 m=38
